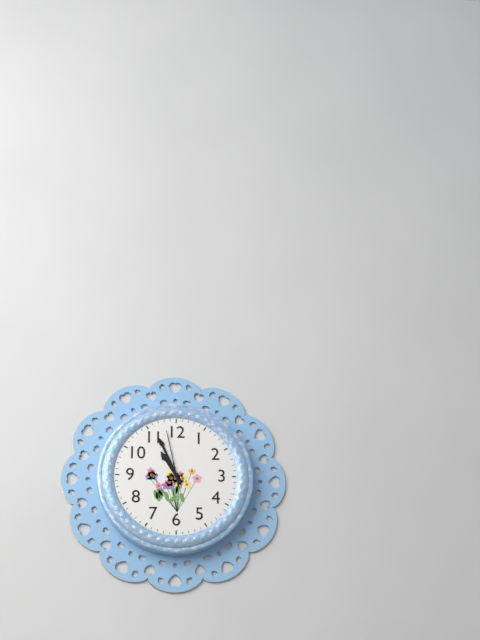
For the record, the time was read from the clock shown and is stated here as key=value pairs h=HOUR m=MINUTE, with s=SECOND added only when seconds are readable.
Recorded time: h=10 m=56 s=58
